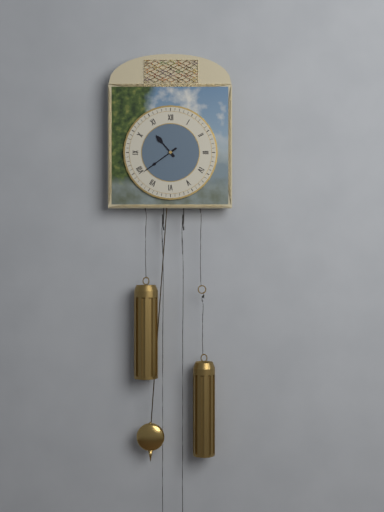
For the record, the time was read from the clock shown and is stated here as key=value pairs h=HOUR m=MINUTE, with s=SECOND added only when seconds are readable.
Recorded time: h=10 m=39
